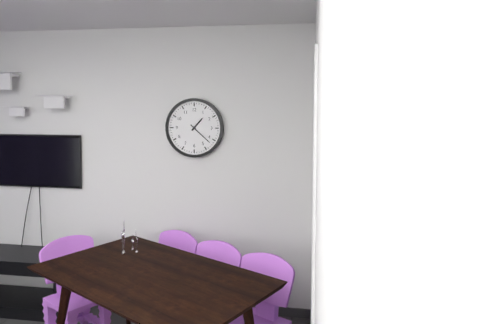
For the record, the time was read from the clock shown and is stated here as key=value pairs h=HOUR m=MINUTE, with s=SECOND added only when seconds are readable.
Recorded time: h=1 m=22
